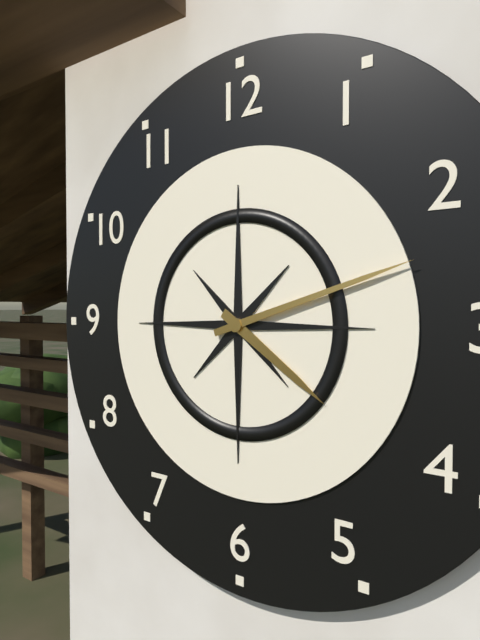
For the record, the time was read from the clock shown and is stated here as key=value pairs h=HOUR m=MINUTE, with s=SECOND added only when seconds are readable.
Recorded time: h=4 m=12
